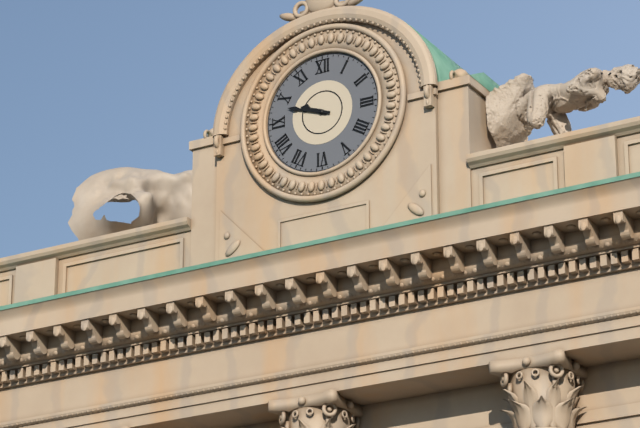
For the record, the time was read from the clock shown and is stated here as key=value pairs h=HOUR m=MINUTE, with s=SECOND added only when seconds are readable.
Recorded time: h=9 m=48
